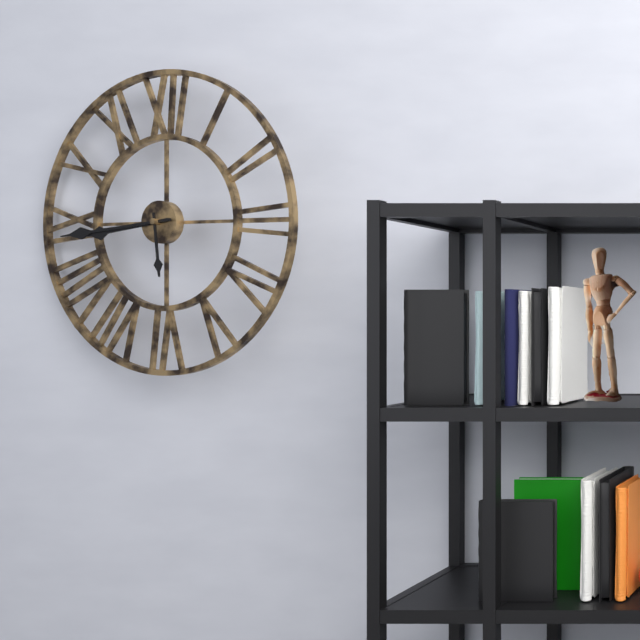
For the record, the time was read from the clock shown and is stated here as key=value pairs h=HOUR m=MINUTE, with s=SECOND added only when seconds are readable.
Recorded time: h=8 m=44 s=29
